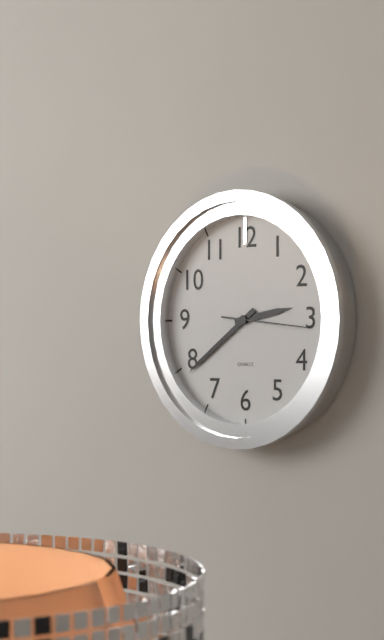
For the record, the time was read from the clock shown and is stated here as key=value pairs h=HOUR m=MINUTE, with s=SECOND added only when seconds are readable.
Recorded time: h=2 m=39 s=16
